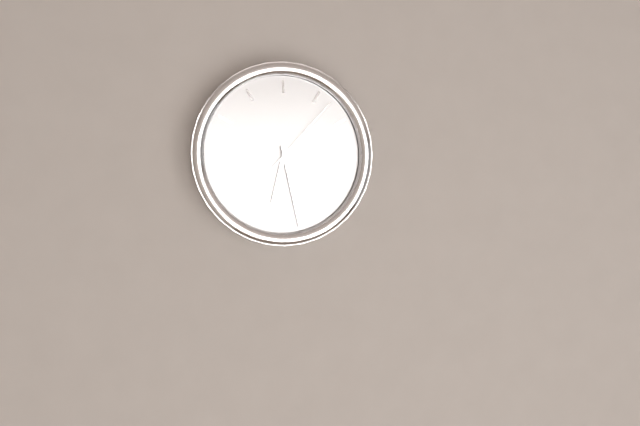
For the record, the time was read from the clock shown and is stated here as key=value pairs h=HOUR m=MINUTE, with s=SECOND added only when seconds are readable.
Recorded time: h=6 m=28 s=7
